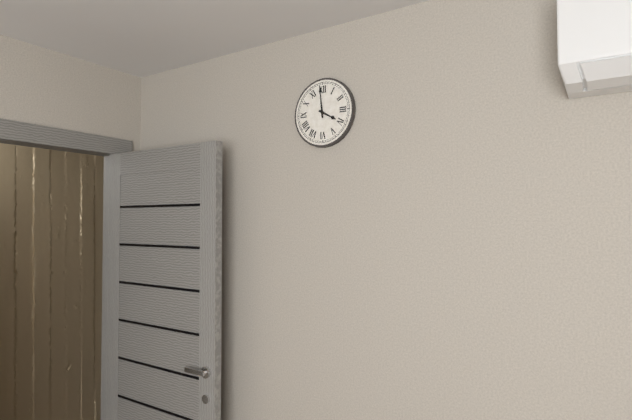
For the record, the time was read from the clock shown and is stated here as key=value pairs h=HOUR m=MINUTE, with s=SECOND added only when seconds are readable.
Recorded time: h=3 m=59
